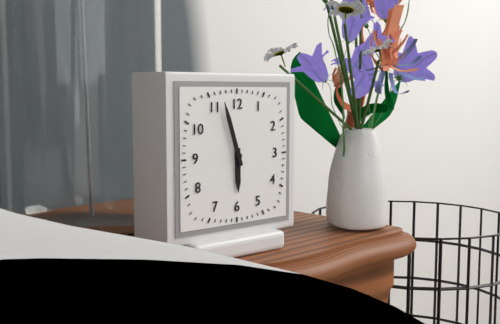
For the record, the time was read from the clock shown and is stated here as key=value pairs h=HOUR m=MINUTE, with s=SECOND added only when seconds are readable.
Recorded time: h=5 m=57
